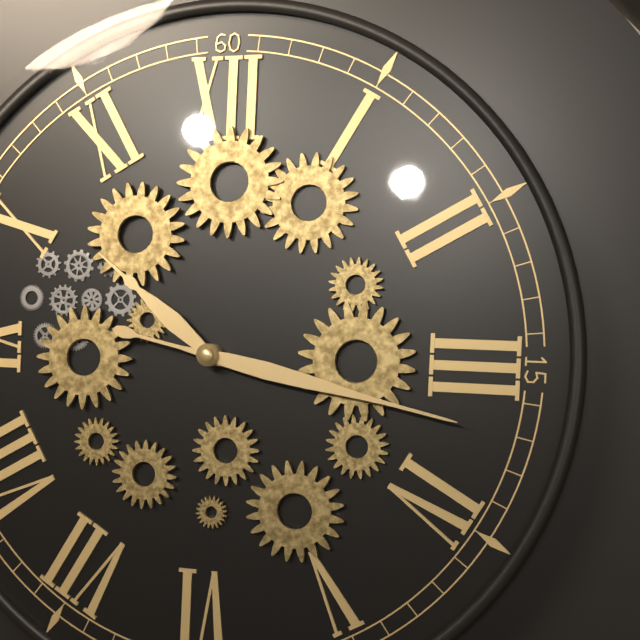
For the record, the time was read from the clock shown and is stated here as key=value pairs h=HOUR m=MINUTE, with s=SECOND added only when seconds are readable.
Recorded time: h=10 m=17
